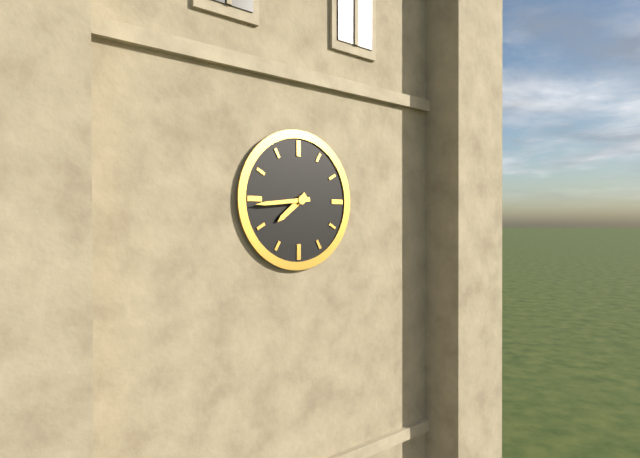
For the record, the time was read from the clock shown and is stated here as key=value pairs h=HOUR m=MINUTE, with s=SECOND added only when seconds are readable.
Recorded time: h=7 m=44
